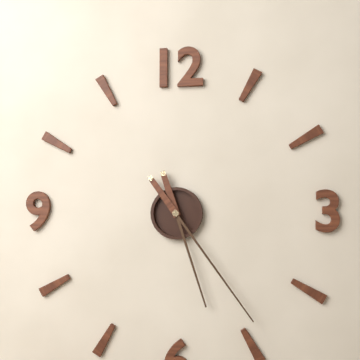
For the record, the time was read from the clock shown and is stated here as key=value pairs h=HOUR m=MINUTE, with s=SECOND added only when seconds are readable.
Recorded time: h=5 m=24
